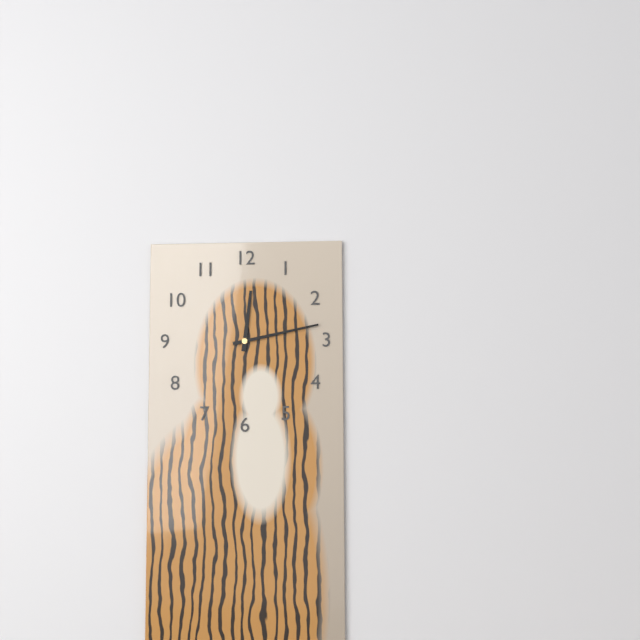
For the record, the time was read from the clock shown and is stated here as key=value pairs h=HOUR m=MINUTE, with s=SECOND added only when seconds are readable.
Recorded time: h=12 m=13
